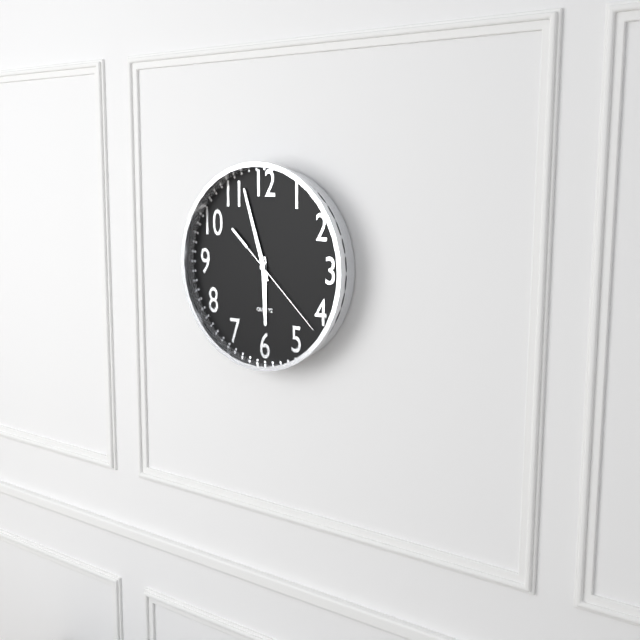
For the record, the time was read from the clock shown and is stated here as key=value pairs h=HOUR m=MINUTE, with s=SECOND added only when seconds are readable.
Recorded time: h=5 m=57 s=22
